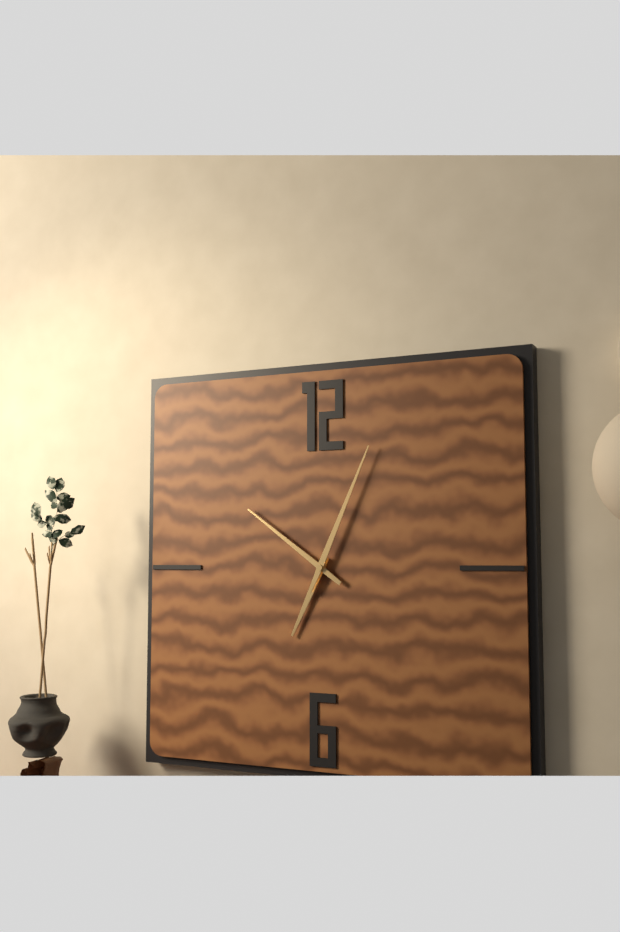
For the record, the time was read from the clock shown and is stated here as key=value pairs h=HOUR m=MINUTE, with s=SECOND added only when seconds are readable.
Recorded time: h=6 m=51 s=4
